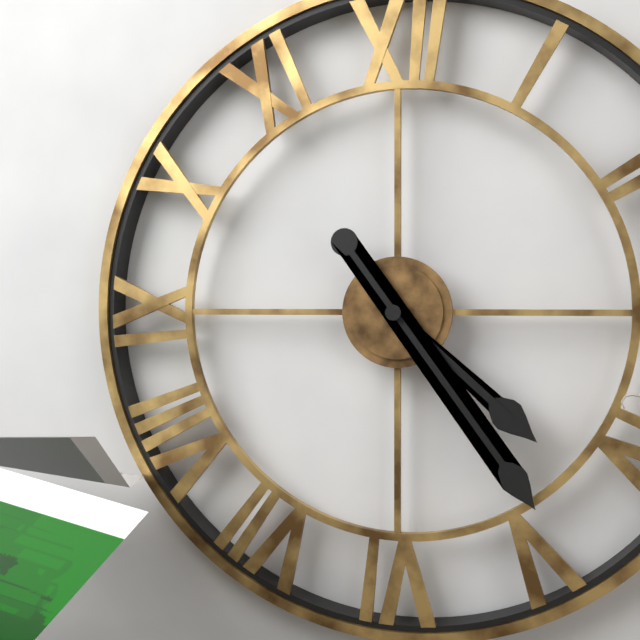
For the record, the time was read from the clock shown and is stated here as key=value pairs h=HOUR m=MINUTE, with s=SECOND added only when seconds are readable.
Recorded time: h=4 m=24
